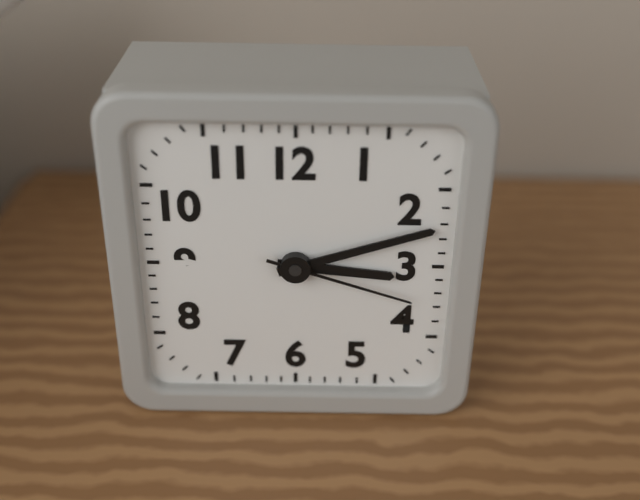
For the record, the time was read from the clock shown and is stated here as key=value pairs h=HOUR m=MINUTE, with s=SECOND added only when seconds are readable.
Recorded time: h=3 m=12 s=18
